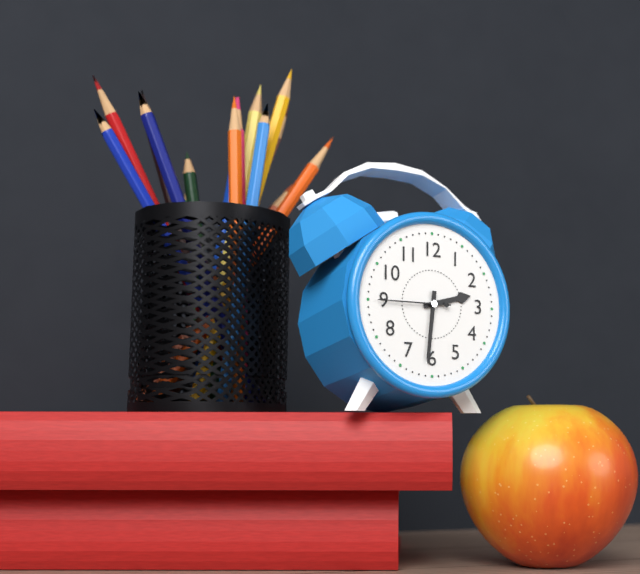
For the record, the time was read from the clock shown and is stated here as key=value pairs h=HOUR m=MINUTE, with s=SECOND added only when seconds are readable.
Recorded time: h=2 m=31 s=45
